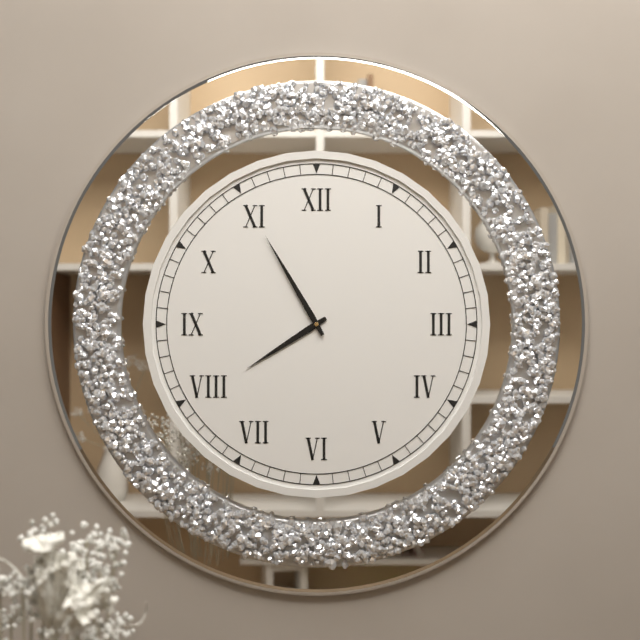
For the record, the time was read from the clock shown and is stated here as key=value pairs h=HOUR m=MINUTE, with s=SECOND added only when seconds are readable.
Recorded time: h=7 m=55
